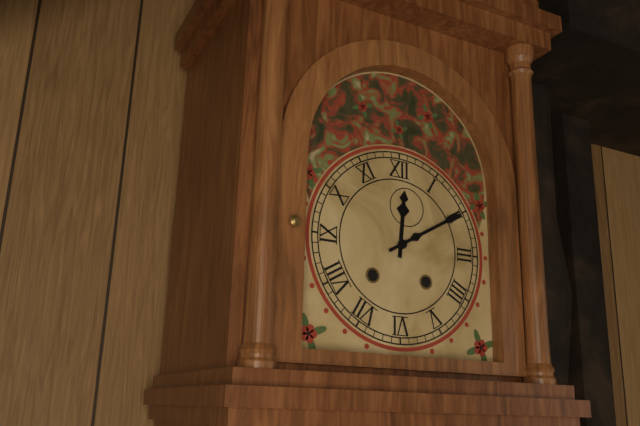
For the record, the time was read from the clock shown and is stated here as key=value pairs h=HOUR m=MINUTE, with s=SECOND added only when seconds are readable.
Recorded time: h=12 m=10
